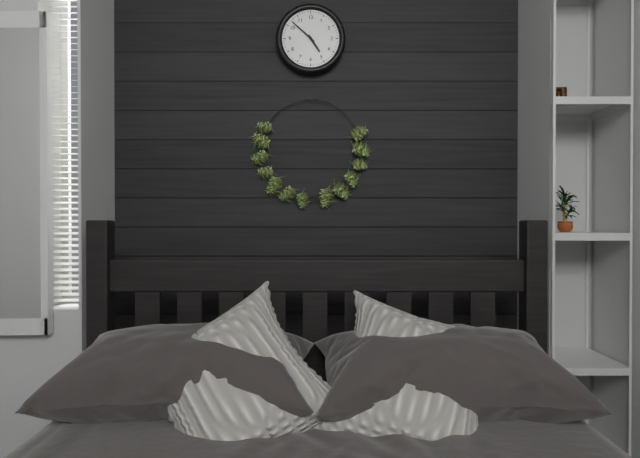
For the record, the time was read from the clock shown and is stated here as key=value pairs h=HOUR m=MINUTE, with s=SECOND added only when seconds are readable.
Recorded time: h=4 m=52
